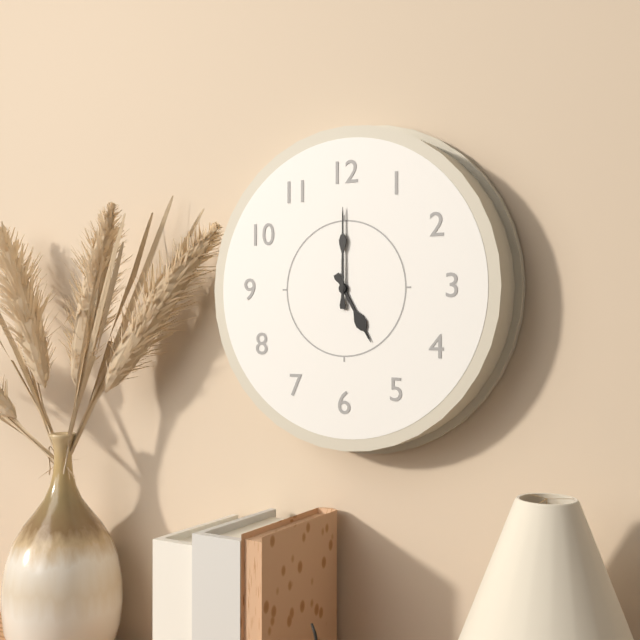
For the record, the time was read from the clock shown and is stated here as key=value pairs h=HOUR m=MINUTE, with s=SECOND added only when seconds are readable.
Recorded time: h=5 m=0
